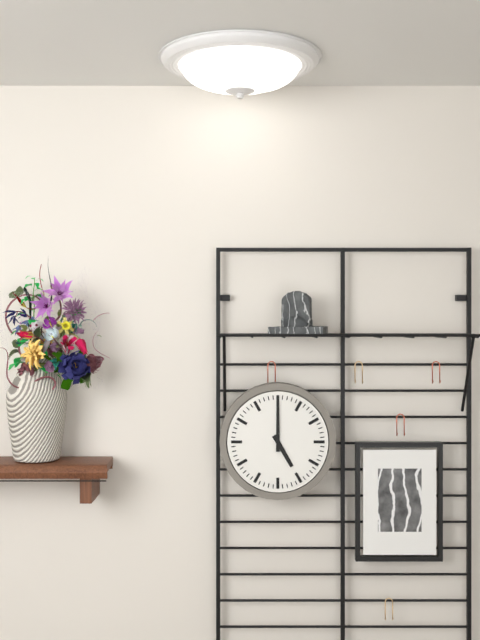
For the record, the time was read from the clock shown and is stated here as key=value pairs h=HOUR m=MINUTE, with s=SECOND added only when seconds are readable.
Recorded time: h=5 m=0
